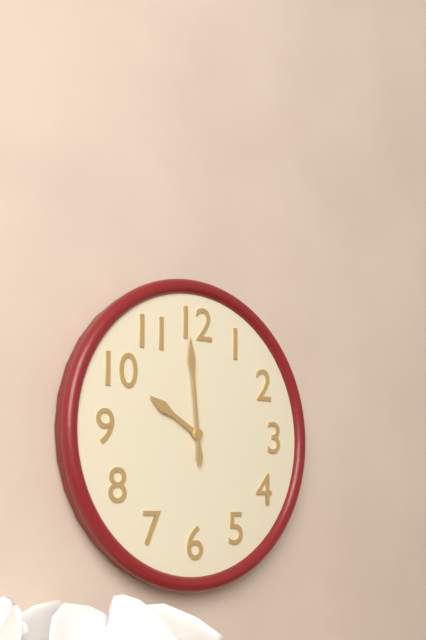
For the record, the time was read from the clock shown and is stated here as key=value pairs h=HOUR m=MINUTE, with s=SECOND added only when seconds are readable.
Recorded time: h=9 m=59
